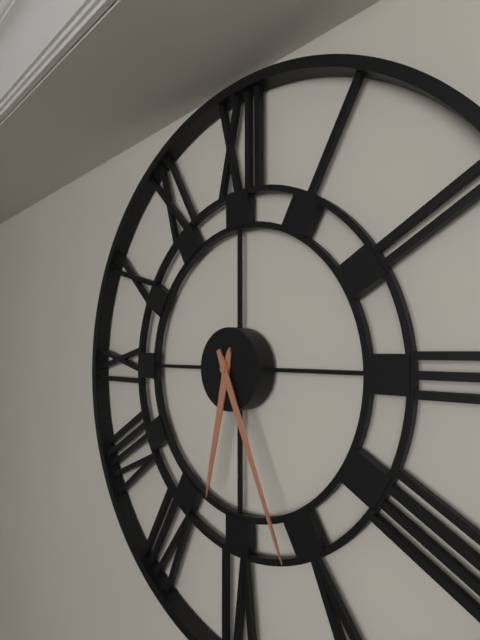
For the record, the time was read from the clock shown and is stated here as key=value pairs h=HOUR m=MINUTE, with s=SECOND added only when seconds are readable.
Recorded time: h=6 m=26
